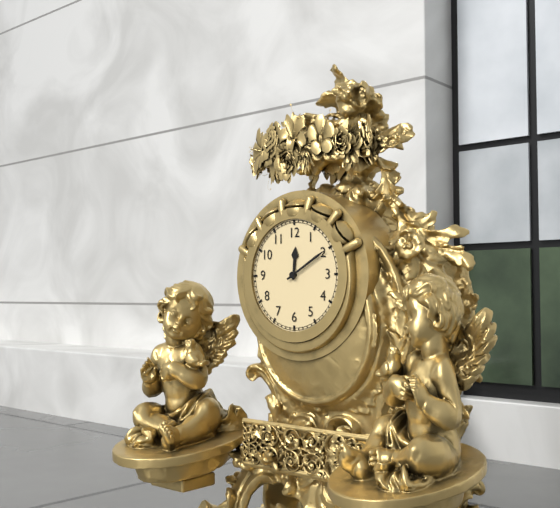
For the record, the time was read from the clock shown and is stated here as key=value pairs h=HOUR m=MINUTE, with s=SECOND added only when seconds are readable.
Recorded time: h=12 m=10
